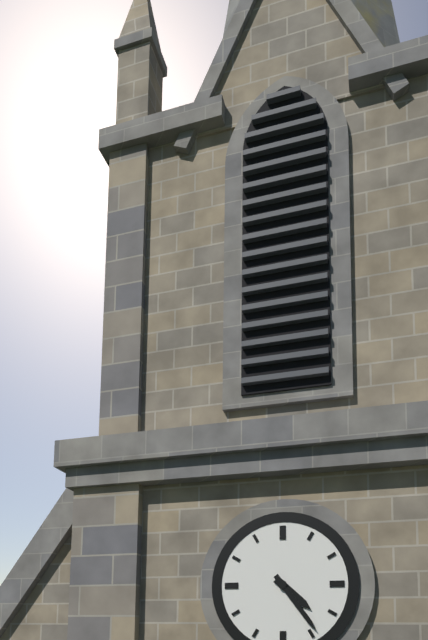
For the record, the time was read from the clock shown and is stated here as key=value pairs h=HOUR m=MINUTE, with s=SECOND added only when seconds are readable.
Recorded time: h=4 m=24
